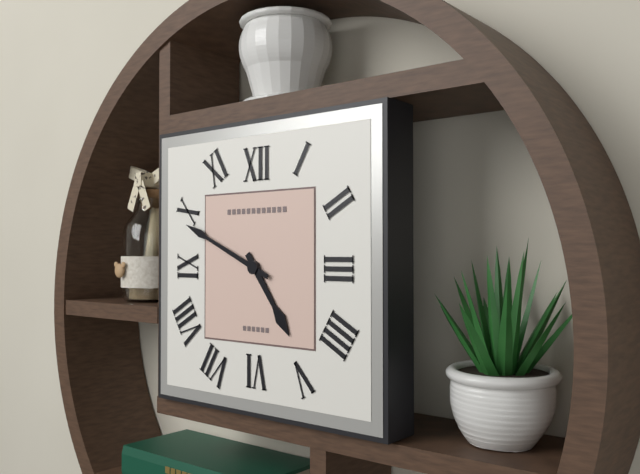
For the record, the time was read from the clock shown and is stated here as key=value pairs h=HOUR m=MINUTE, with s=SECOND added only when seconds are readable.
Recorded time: h=4 m=49
